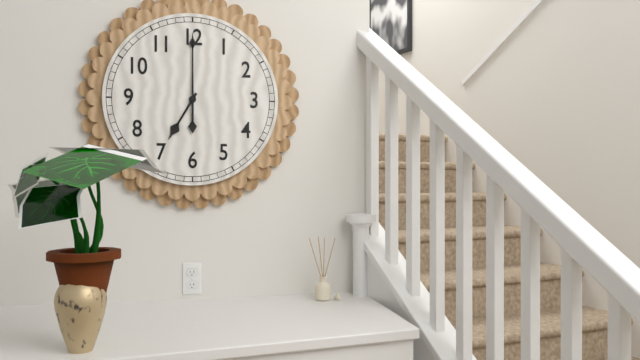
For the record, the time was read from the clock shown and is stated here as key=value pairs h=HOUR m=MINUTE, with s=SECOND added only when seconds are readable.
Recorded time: h=7 m=0
